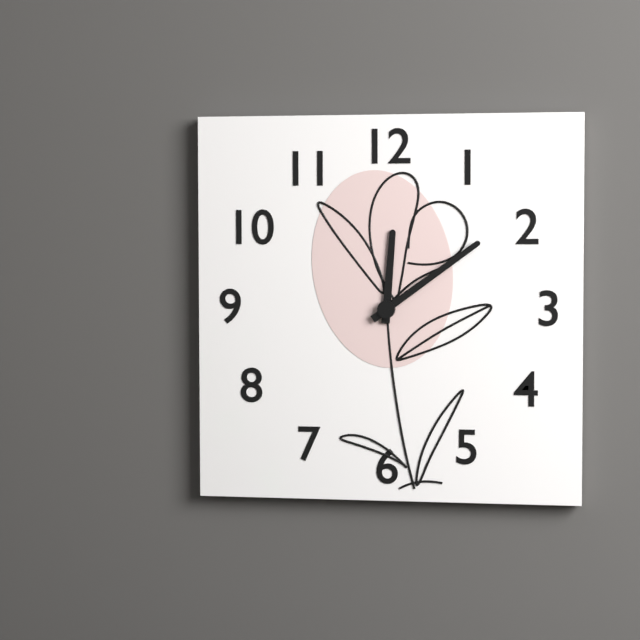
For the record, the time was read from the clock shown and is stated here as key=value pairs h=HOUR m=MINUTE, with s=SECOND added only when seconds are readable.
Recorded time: h=12 m=9
